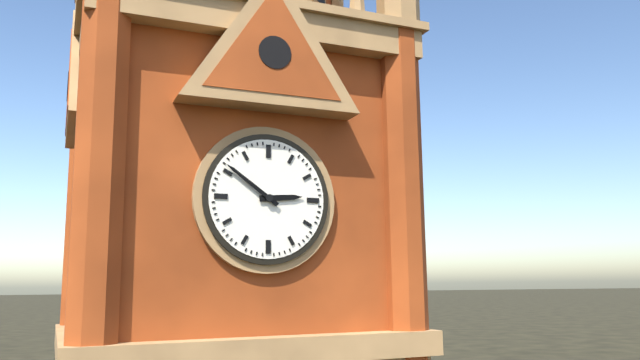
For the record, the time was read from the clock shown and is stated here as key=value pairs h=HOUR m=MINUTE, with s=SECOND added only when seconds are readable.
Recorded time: h=2 m=51
